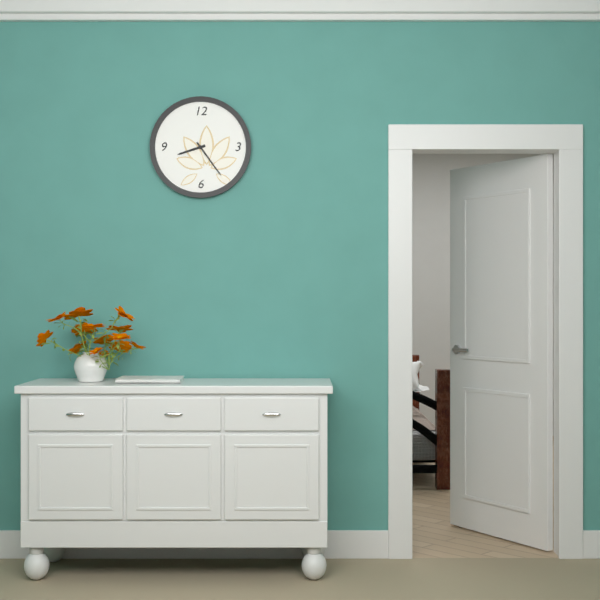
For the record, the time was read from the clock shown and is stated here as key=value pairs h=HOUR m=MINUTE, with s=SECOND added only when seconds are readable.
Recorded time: h=8 m=24
